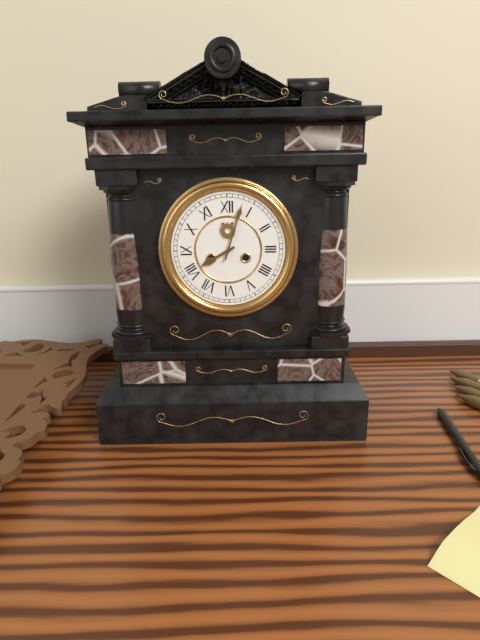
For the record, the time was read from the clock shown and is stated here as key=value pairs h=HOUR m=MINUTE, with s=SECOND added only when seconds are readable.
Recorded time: h=8 m=3
